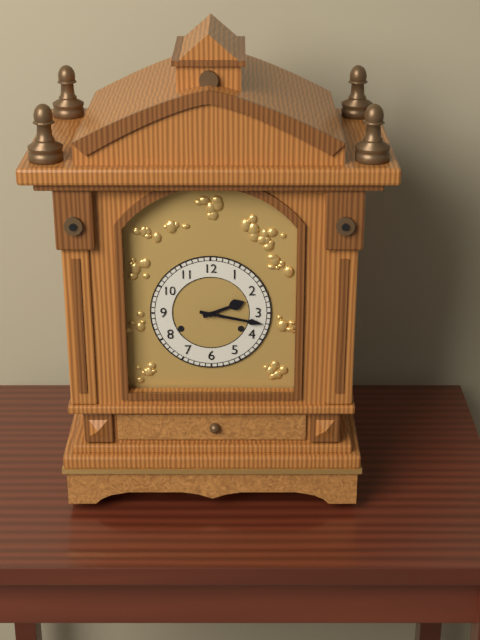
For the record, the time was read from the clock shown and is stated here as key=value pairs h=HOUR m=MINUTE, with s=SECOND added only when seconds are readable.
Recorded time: h=2 m=17
